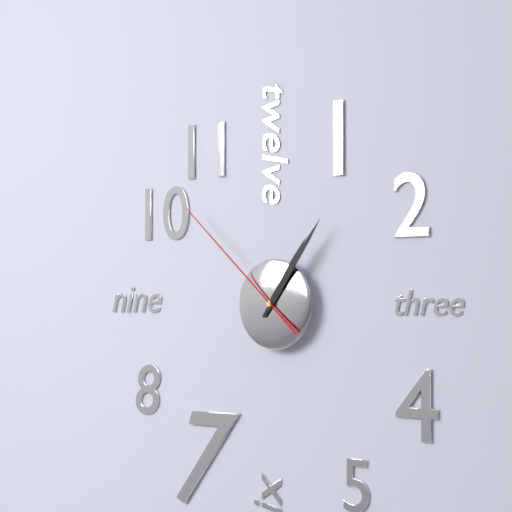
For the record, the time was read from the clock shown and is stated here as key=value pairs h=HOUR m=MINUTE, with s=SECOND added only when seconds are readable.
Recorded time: h=1 m=6 s=52
